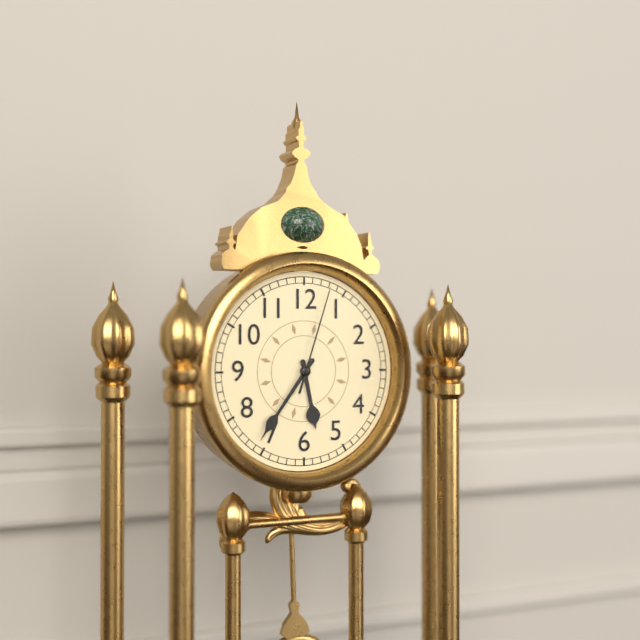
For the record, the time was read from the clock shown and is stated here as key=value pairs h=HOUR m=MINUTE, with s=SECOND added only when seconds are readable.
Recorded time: h=5 m=36 s=3
